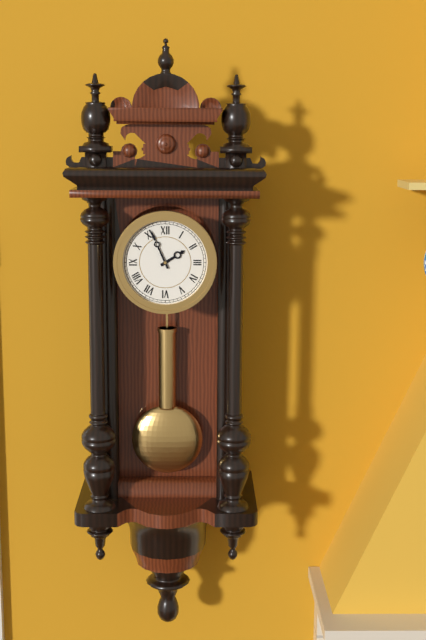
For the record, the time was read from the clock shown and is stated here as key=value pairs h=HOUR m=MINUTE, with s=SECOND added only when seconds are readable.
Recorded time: h=1 m=56
